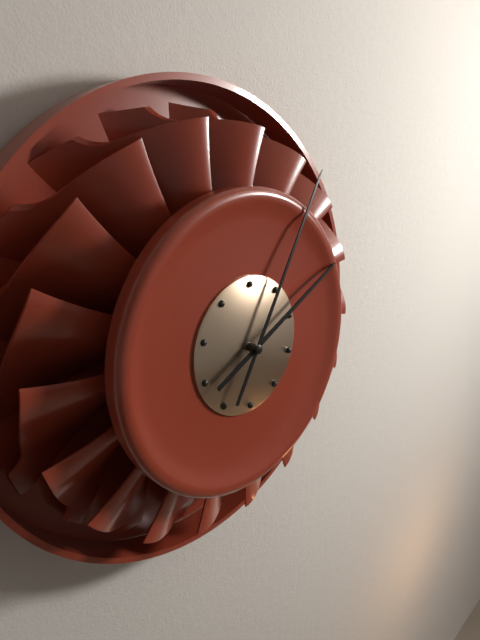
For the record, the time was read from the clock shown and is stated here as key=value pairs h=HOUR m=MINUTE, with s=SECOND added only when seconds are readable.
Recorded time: h=2 m=5
